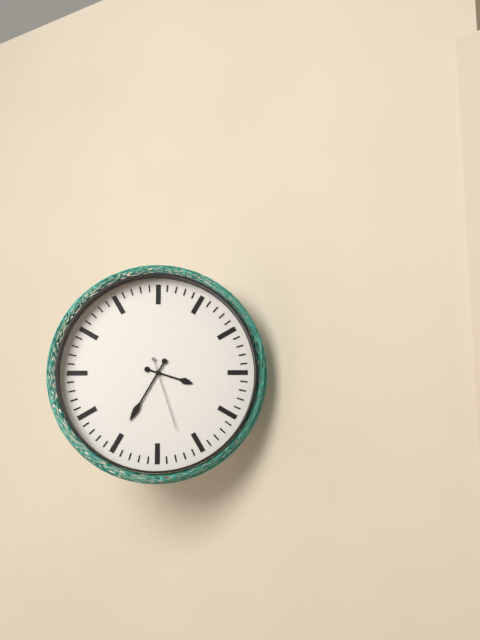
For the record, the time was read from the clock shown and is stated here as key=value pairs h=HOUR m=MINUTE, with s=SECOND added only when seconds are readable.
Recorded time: h=3 m=35 s=27
